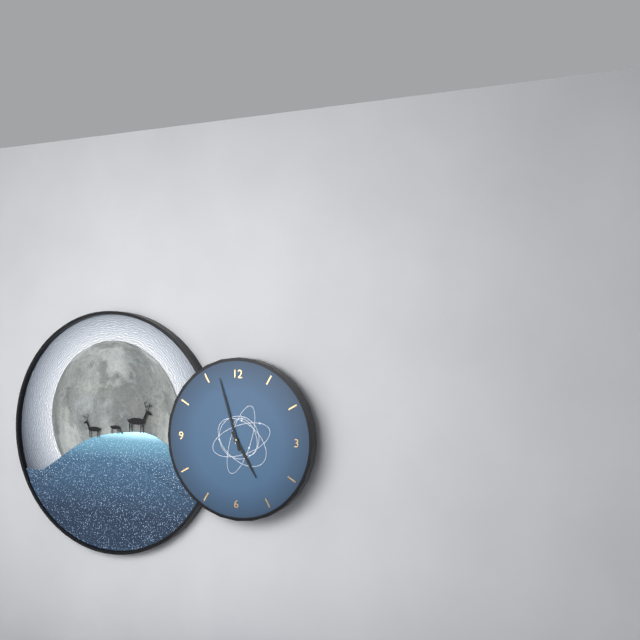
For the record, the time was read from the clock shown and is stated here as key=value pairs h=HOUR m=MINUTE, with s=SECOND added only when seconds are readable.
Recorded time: h=4 m=57
